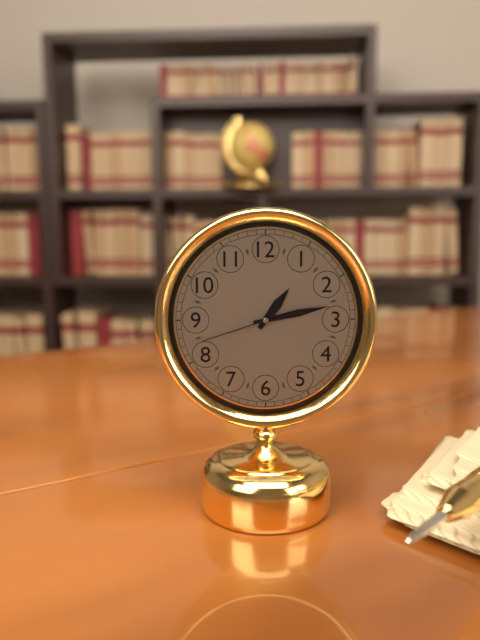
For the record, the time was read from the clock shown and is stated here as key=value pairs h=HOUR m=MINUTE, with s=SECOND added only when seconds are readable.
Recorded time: h=1 m=13 s=42
